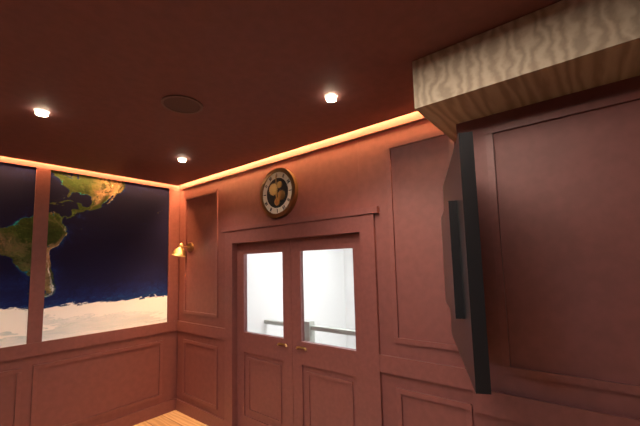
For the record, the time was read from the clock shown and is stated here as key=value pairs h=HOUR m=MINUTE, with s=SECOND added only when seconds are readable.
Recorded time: h=6 m=0
